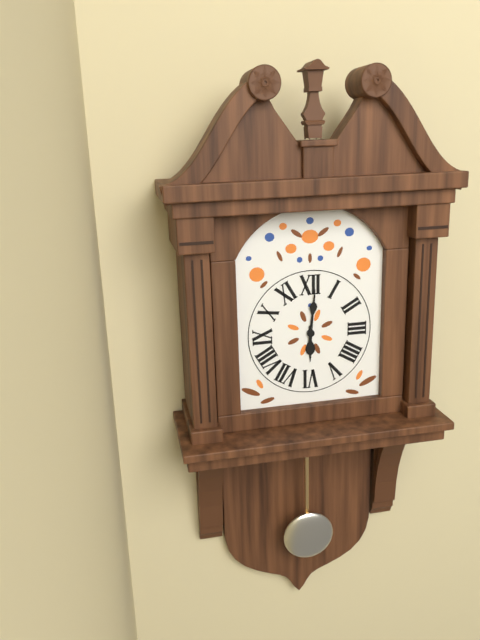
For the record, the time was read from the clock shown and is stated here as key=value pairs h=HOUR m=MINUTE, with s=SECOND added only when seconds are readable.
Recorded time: h=6 m=1
